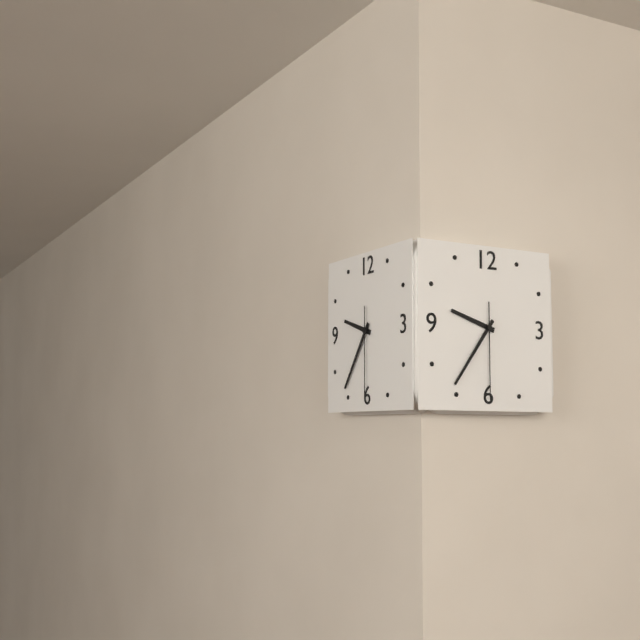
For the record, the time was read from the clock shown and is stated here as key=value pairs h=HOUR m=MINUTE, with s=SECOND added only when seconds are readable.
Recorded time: h=9 m=36 s=30
